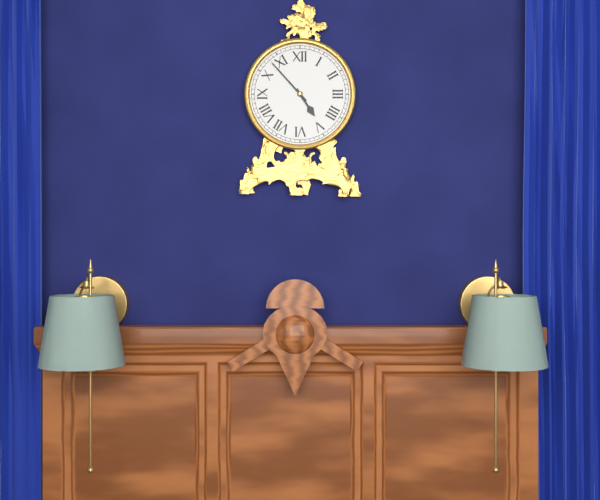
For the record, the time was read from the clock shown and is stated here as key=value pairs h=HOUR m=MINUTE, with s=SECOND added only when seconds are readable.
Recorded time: h=4 m=53
